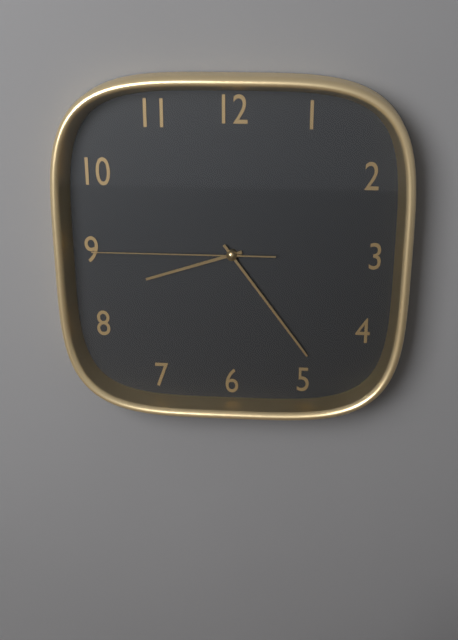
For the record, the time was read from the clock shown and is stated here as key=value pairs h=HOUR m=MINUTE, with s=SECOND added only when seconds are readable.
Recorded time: h=8 m=24 s=45
